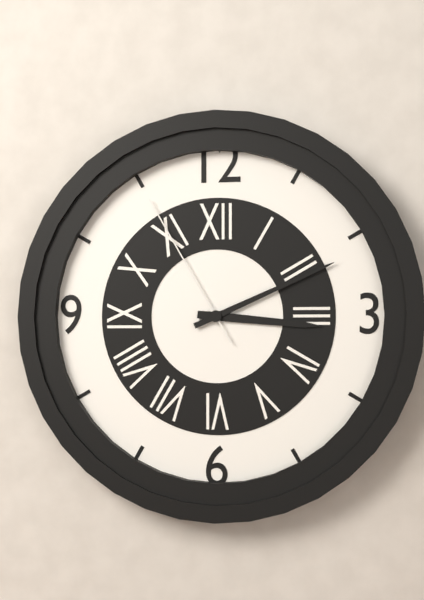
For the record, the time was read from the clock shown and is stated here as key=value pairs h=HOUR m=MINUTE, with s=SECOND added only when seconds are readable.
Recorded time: h=3 m=11 s=55
